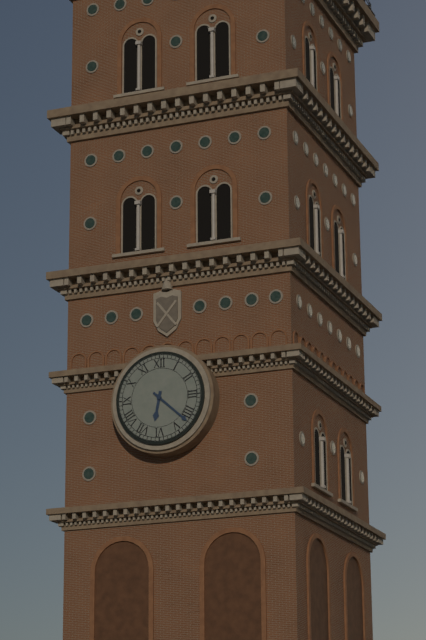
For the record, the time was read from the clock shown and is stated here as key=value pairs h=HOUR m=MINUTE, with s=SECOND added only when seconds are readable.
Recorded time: h=6 m=22
